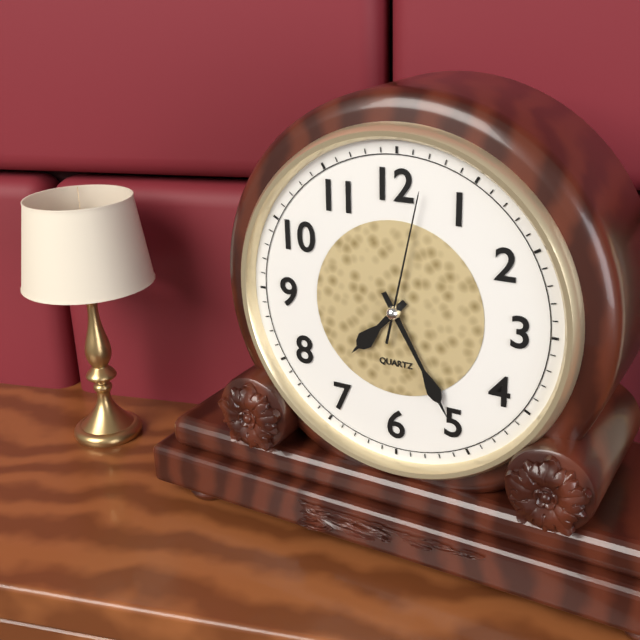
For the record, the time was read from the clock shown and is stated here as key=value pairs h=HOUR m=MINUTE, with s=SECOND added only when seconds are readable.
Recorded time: h=7 m=25 s=2
